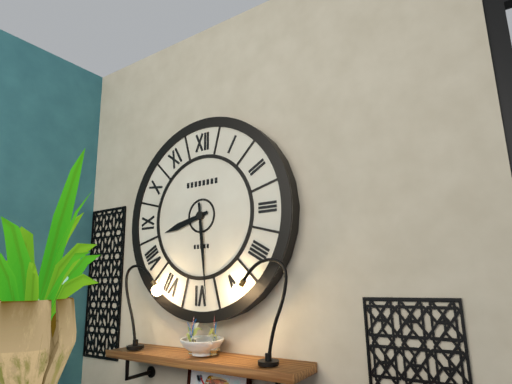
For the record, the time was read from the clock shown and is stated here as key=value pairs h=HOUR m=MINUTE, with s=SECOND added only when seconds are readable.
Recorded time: h=8 m=29
